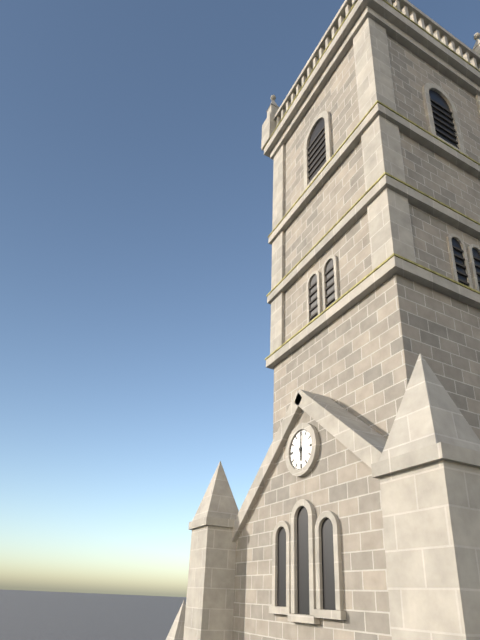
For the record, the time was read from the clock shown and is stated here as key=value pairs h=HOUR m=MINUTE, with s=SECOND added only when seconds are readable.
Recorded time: h=6 m=1
